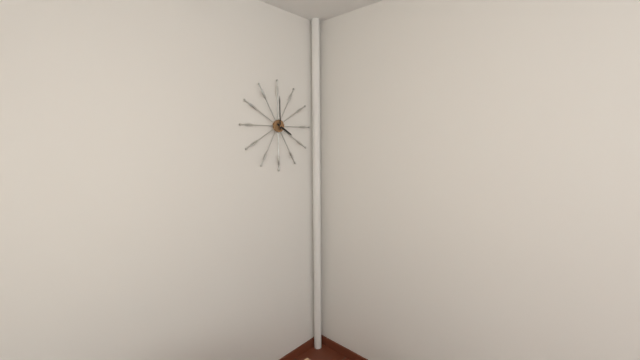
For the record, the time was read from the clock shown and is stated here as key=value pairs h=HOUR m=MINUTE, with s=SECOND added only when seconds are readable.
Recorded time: h=4 m=0
